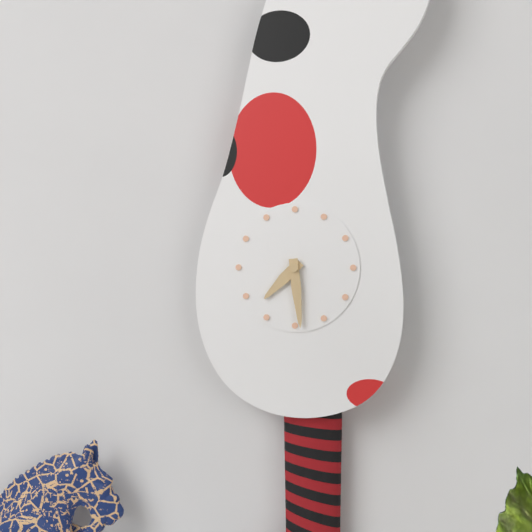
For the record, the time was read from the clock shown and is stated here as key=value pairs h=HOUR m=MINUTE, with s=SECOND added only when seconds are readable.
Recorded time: h=7 m=29
